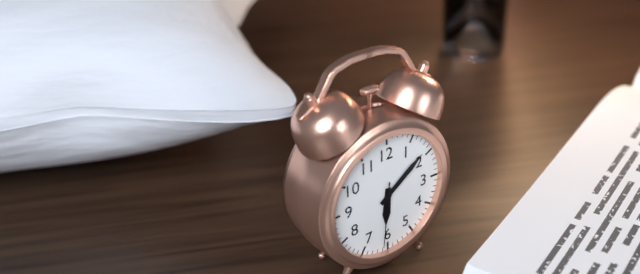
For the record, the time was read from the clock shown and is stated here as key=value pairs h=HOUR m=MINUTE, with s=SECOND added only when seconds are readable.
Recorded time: h=6 m=9 s=31
